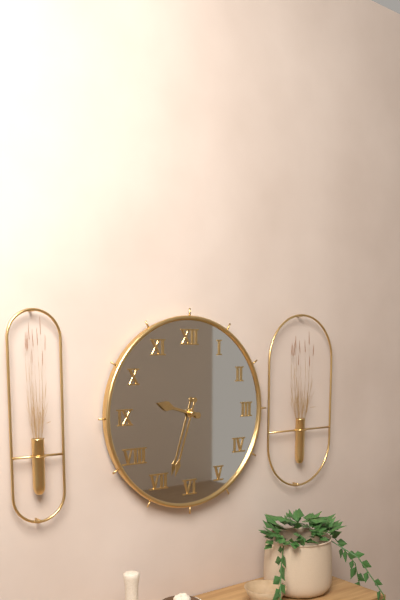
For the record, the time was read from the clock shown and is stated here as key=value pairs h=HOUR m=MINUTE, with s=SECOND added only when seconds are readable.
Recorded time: h=9 m=33
